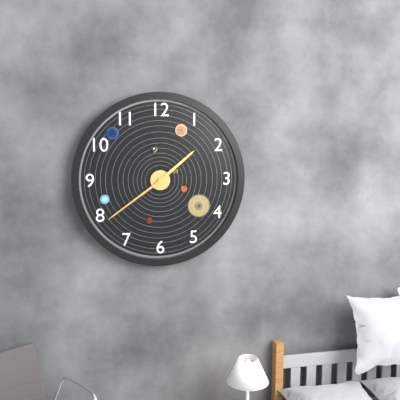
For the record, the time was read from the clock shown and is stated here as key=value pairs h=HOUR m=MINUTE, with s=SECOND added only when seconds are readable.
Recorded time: h=1 m=39 s=39
